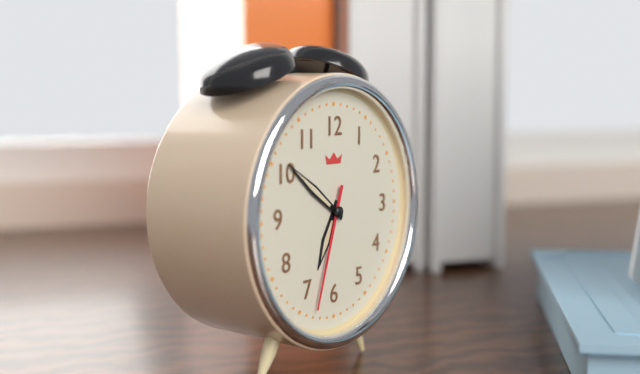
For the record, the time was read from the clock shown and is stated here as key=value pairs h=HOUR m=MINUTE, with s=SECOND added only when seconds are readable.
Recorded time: h=6 m=51 s=33
